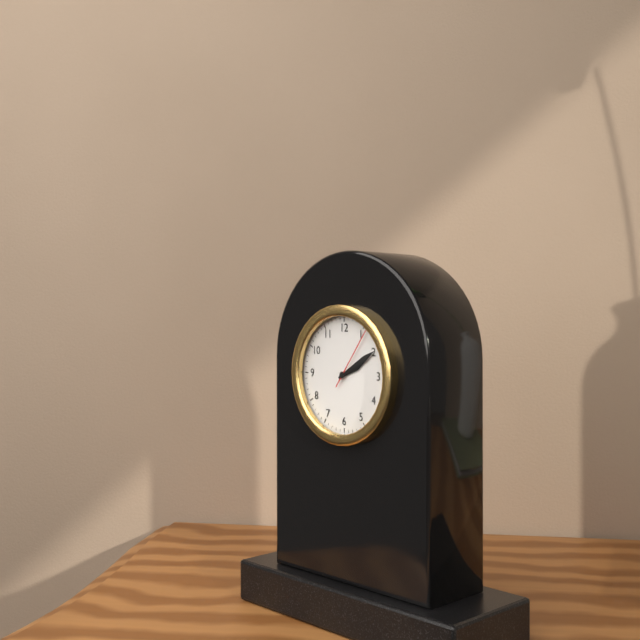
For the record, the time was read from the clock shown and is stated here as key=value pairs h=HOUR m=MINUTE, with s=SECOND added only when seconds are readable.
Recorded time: h=2 m=10 s=6
